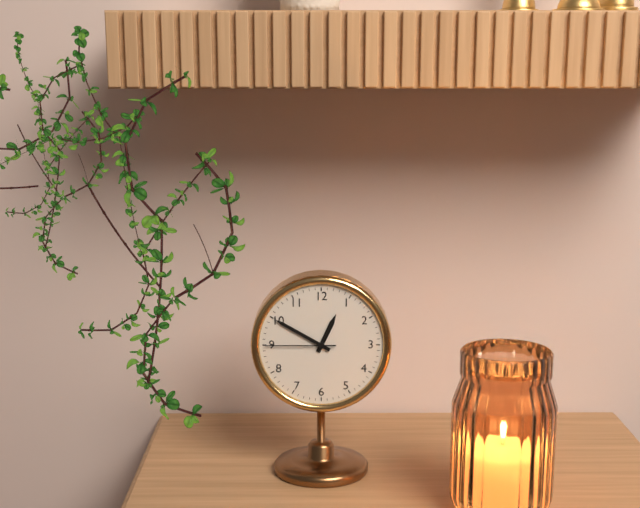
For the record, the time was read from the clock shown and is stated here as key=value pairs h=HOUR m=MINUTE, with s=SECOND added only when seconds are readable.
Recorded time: h=12 m=50 s=45
